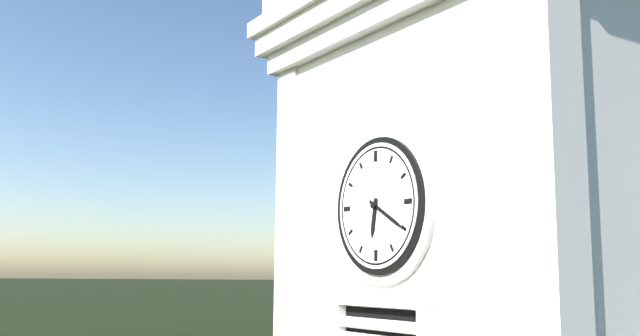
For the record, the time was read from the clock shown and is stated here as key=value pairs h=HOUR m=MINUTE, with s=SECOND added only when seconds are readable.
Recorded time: h=6 m=20
